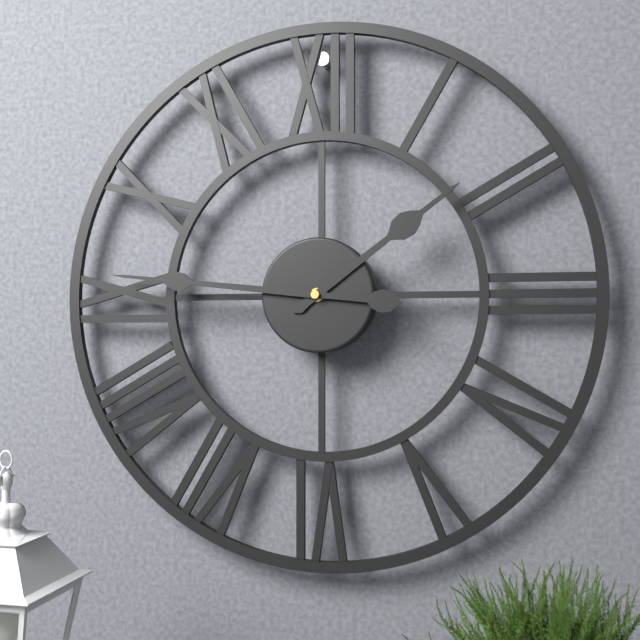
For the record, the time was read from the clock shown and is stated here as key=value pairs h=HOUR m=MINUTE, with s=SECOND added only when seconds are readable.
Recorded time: h=1 m=46
